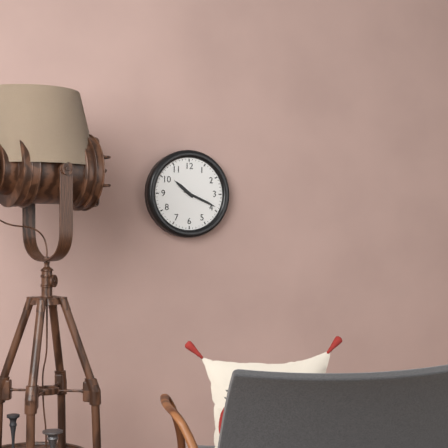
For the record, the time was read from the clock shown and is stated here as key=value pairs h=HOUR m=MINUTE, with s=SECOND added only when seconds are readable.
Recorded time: h=10 m=19
